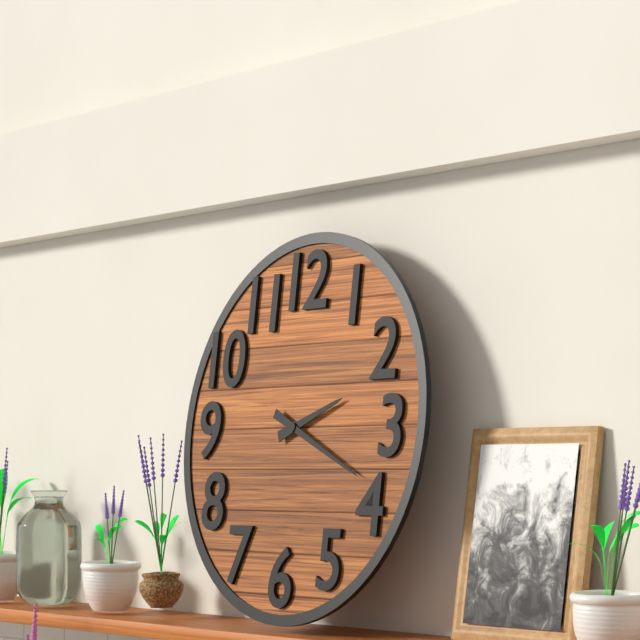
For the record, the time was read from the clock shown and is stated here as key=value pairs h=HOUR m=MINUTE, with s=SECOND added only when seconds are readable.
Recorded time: h=2 m=19
